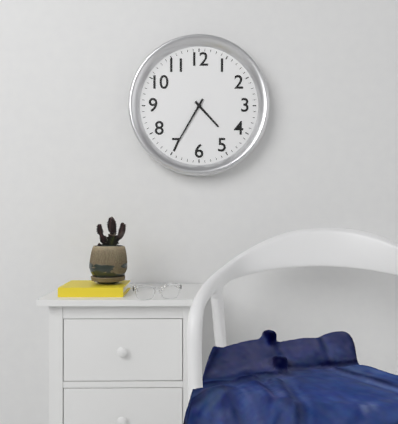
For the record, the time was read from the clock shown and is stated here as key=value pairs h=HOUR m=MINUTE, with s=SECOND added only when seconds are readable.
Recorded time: h=4 m=35
